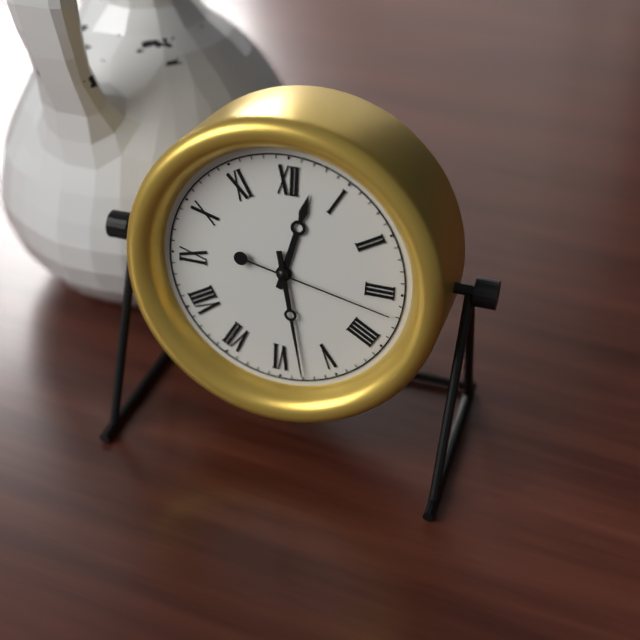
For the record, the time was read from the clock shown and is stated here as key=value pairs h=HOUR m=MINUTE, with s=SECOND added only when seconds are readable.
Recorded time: h=12 m=28 s=17
